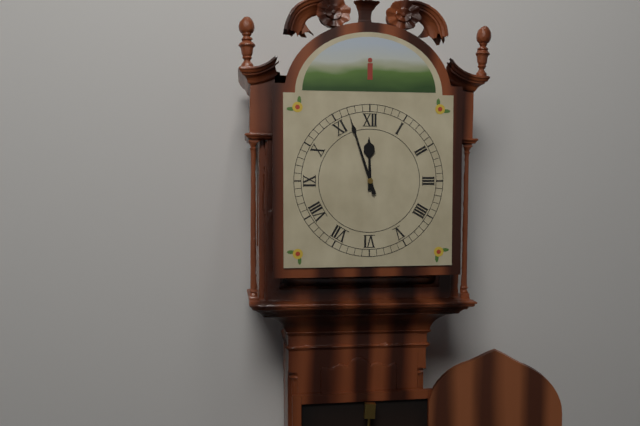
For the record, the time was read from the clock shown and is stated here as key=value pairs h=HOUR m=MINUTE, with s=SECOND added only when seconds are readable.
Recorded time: h=11 m=57
